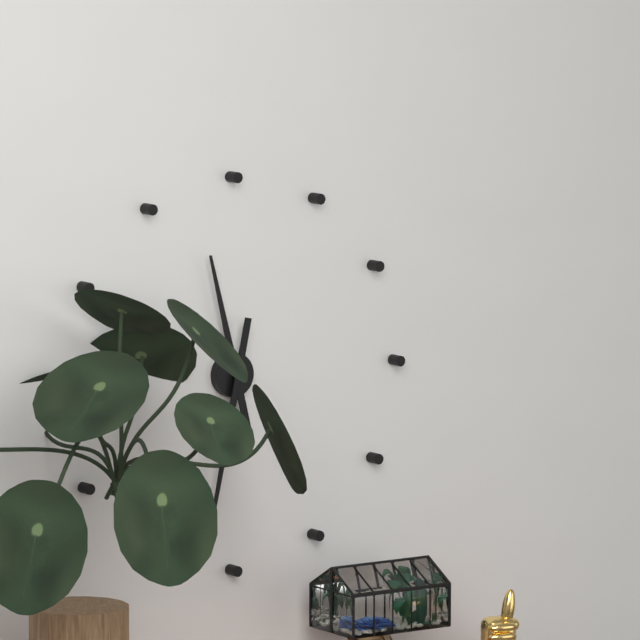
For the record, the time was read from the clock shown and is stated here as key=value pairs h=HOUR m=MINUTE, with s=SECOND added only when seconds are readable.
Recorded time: h=11 m=32
